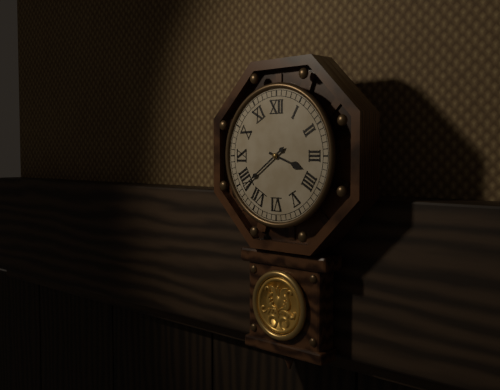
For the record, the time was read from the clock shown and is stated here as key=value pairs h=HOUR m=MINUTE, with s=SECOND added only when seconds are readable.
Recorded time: h=3 m=39
